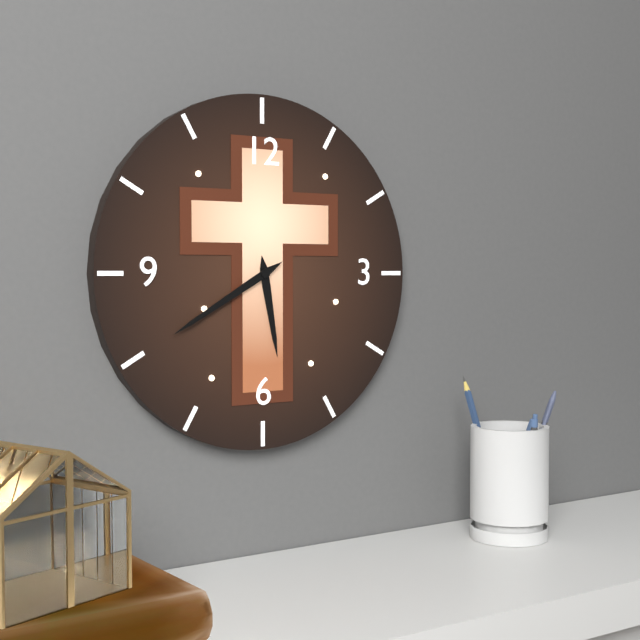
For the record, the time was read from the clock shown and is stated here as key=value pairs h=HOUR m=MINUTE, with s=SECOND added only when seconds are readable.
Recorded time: h=5 m=40
